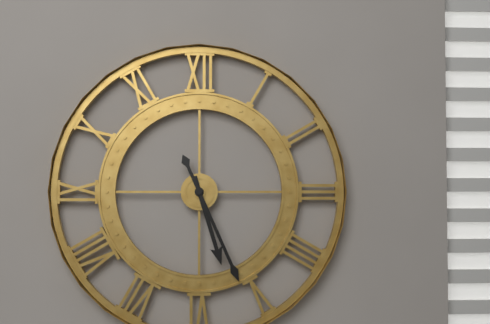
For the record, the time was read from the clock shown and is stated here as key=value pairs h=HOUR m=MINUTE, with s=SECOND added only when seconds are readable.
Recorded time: h=5 m=26
